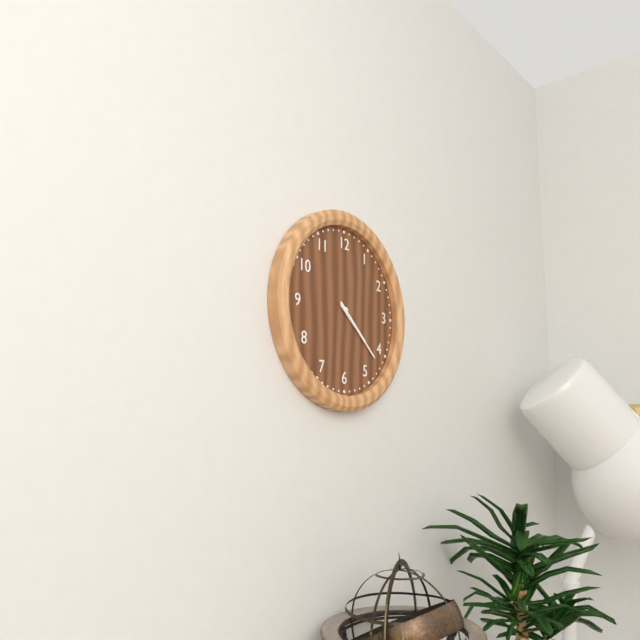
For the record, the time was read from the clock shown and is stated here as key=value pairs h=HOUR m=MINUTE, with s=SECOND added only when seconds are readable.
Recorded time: h=4 m=22
